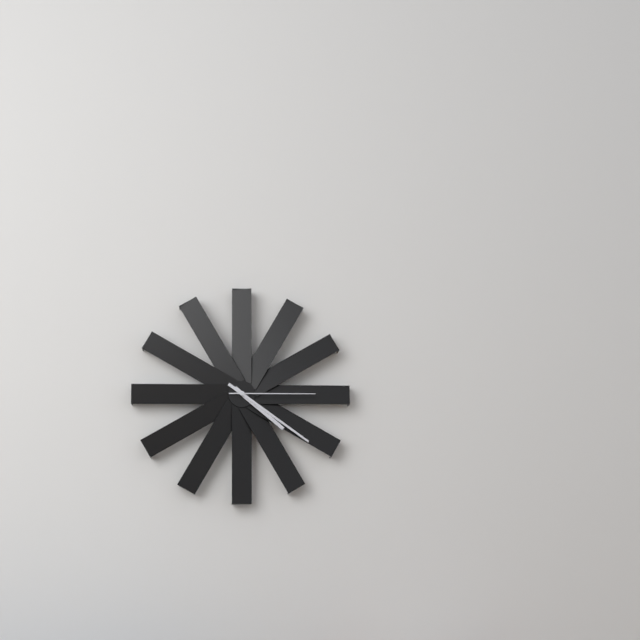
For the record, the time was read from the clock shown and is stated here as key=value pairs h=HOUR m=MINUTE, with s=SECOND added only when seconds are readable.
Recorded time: h=4 m=21 s=15
